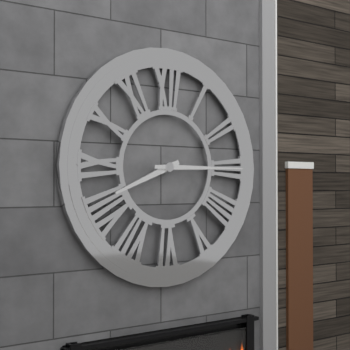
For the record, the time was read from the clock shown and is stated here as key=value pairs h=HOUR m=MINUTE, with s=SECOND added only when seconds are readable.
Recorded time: h=8 m=15
